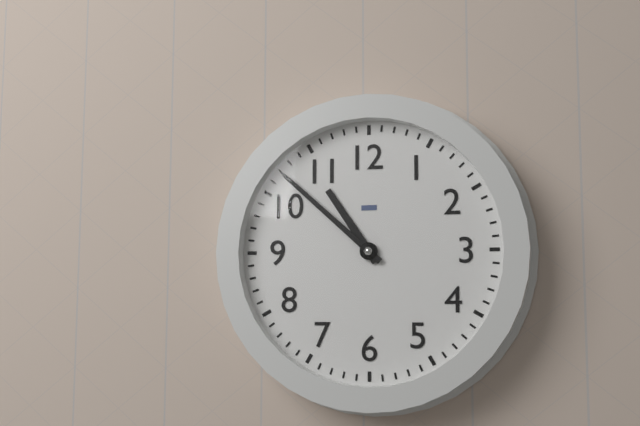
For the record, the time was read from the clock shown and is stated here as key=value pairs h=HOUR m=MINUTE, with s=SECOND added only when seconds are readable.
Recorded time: h=10 m=52
